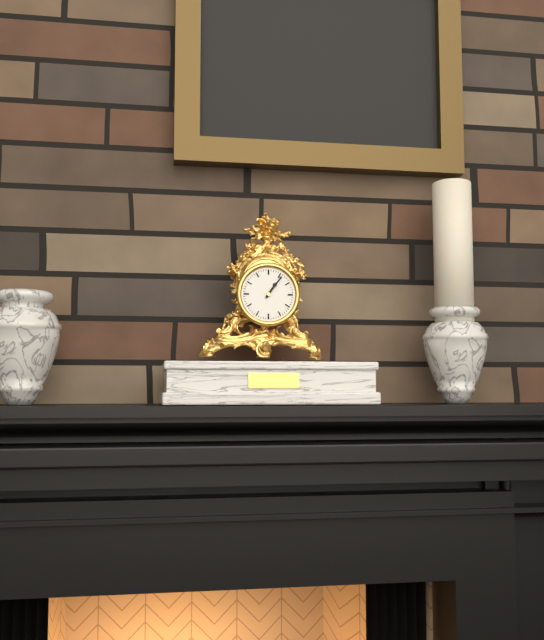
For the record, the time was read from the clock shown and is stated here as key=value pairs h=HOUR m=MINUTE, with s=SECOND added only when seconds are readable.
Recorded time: h=1 m=6
